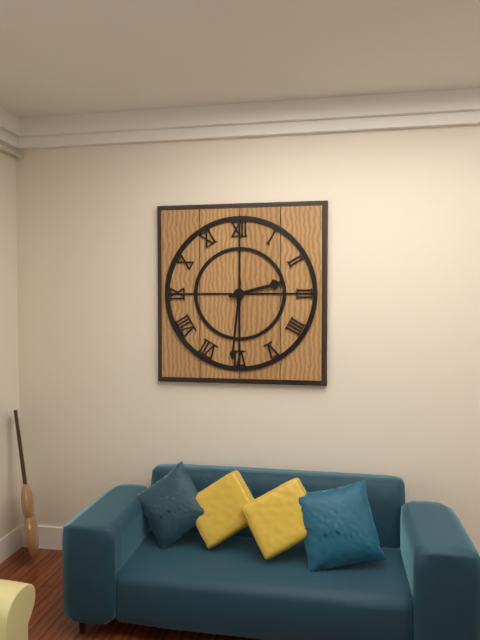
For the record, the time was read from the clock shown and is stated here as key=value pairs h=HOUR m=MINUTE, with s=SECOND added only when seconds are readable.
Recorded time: h=2 m=31
